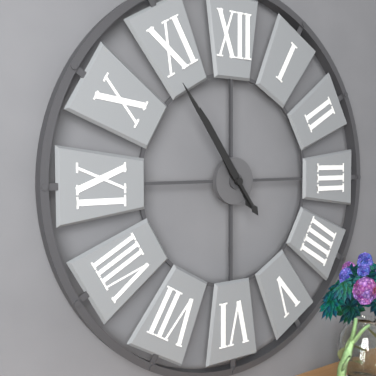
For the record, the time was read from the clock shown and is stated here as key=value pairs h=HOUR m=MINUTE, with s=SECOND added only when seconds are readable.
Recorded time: h=10 m=54
